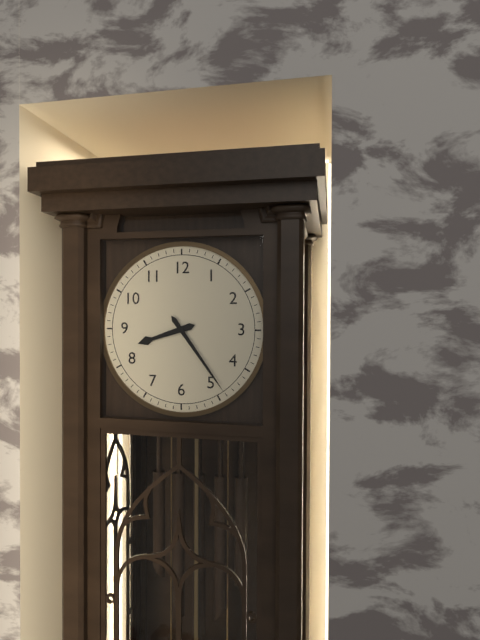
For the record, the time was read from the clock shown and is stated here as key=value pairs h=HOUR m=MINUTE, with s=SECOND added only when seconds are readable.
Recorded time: h=8 m=24
